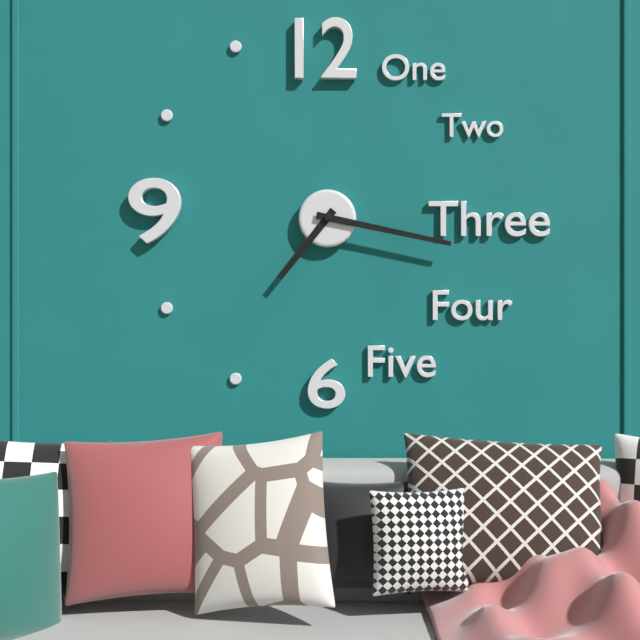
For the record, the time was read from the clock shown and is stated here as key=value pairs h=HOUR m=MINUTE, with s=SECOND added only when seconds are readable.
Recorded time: h=7 m=17
